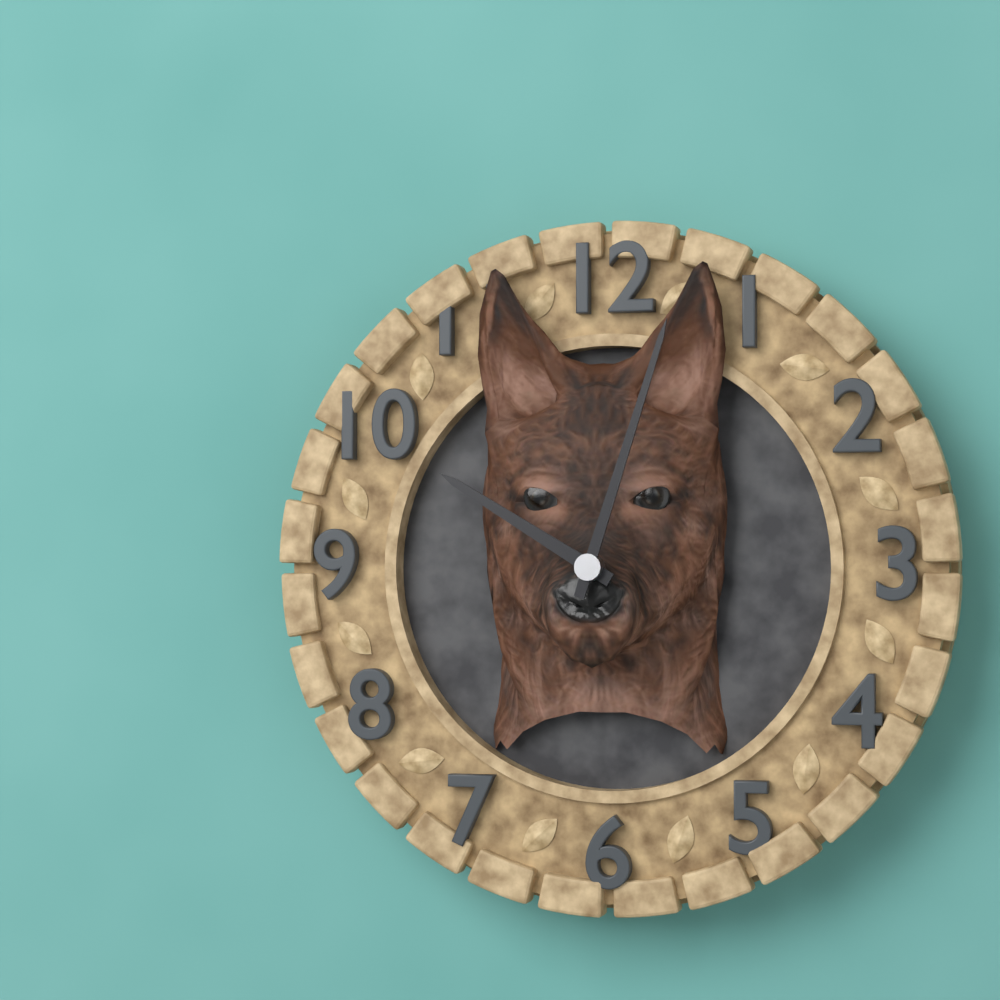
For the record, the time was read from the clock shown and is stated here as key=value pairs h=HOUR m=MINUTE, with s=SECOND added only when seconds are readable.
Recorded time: h=10 m=3
